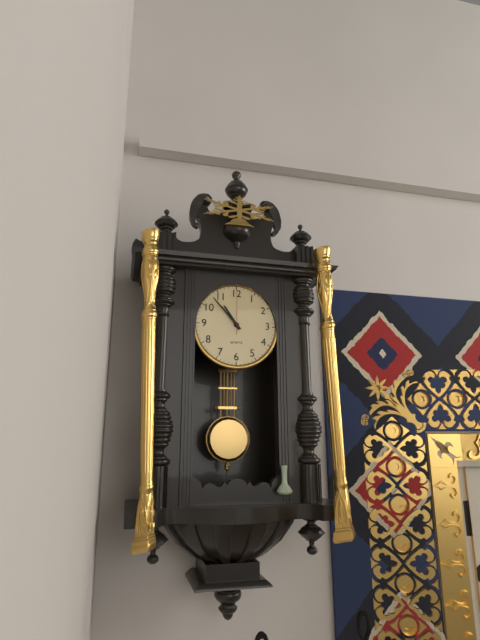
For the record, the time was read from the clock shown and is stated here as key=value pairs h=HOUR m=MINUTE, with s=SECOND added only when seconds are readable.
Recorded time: h=10 m=53
